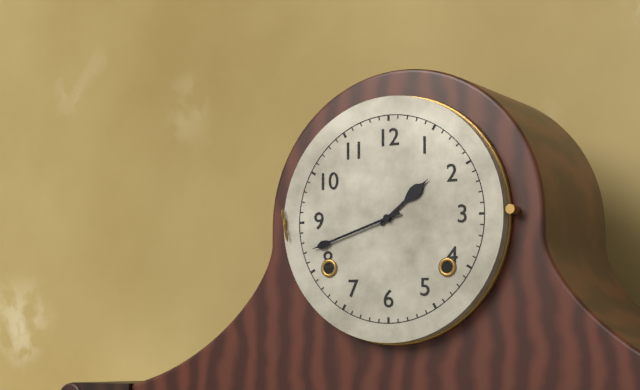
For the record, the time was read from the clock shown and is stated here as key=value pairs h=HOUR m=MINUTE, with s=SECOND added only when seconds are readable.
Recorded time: h=1 m=42
